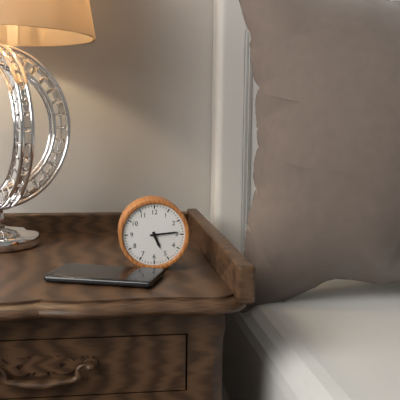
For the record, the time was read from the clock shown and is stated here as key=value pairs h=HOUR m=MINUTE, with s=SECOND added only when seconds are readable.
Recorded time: h=5 m=14
